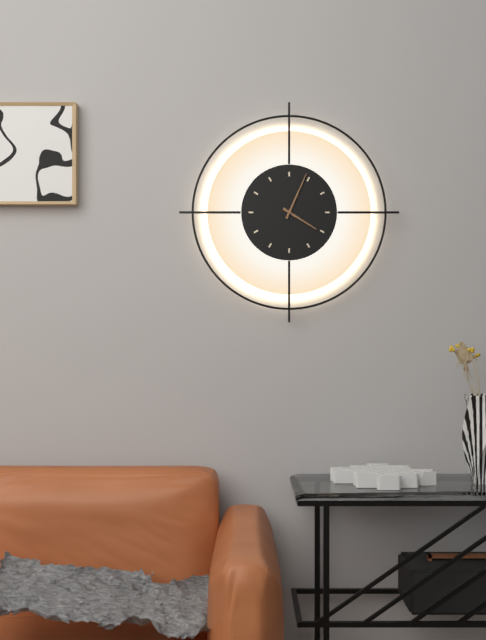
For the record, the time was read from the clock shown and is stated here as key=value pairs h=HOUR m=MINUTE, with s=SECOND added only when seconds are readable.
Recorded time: h=4 m=4
